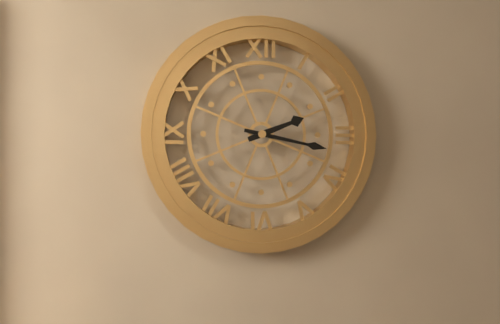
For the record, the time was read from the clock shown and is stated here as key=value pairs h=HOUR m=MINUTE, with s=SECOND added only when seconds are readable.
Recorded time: h=2 m=17
